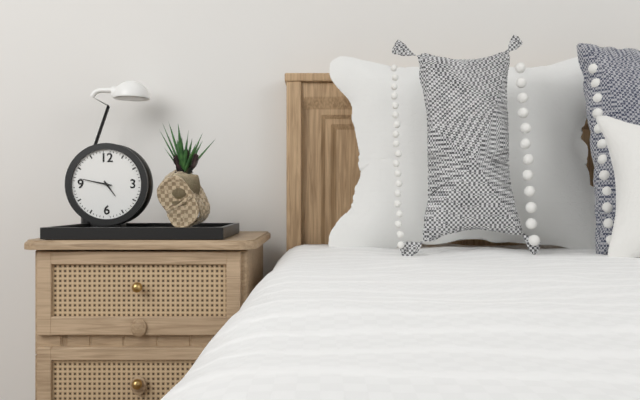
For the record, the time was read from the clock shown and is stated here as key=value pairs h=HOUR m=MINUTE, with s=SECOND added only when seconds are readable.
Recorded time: h=4 m=47
